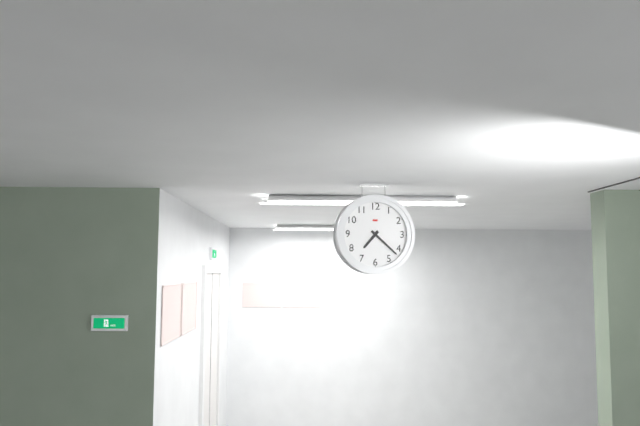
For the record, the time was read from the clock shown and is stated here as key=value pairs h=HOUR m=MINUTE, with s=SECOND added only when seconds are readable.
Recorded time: h=7 m=22
